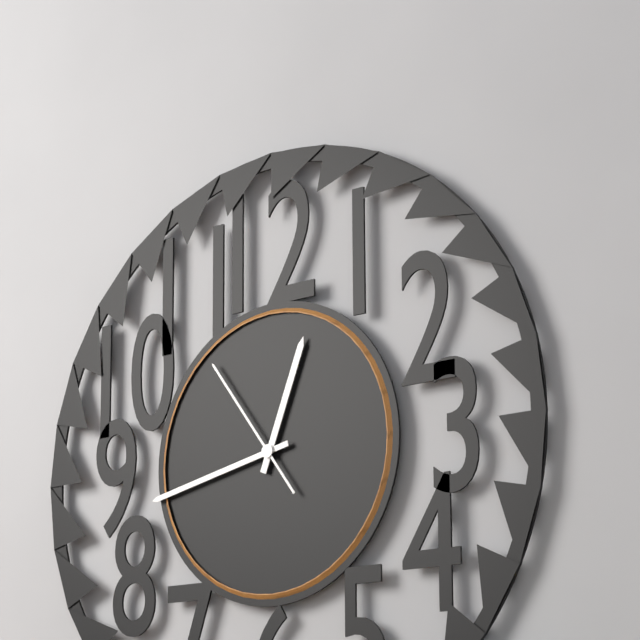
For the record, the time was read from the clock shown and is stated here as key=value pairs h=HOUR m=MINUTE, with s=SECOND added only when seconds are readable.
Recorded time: h=12 m=43 s=54
